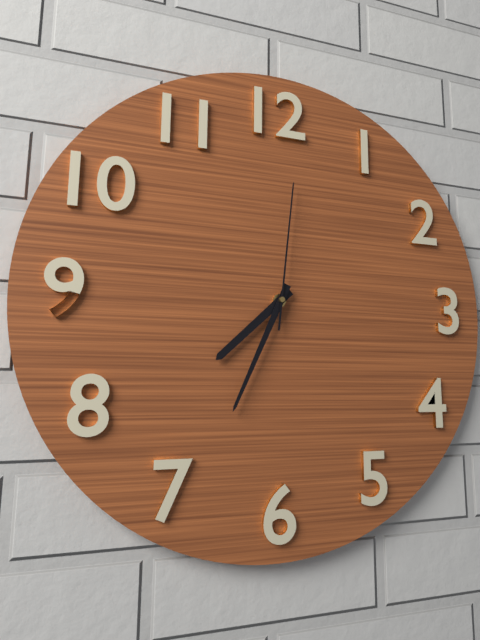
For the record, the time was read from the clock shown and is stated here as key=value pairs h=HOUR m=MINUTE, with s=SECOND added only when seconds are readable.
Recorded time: h=7 m=34 s=1
